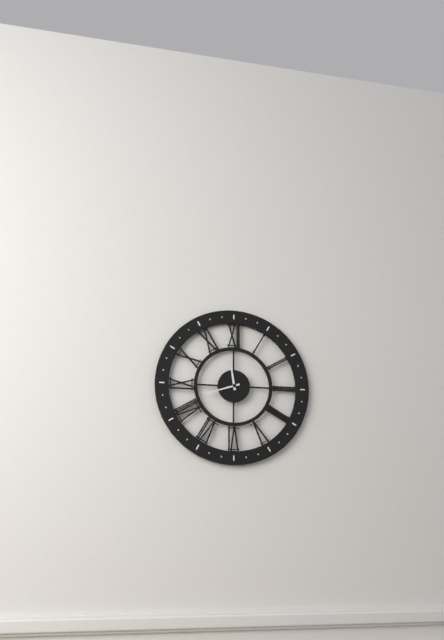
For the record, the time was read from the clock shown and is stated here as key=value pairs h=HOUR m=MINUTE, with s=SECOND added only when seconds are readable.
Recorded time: h=11 m=42
